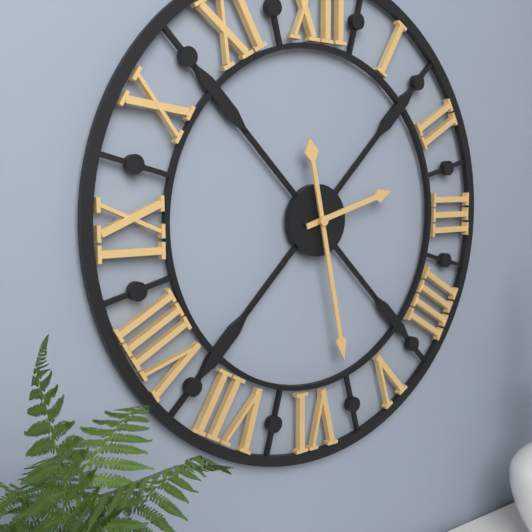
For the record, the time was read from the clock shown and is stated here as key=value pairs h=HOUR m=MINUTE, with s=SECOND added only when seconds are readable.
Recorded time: h=2 m=28
